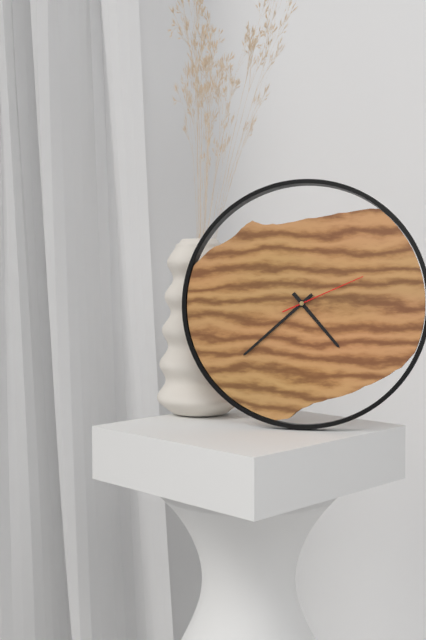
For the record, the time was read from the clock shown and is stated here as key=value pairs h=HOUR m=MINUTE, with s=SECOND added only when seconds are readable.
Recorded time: h=4 m=38 s=11
